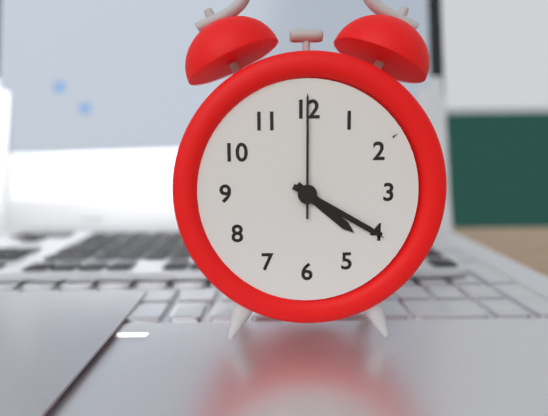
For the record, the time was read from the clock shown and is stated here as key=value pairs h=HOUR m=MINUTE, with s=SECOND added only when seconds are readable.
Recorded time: h=4 m=20 s=0
